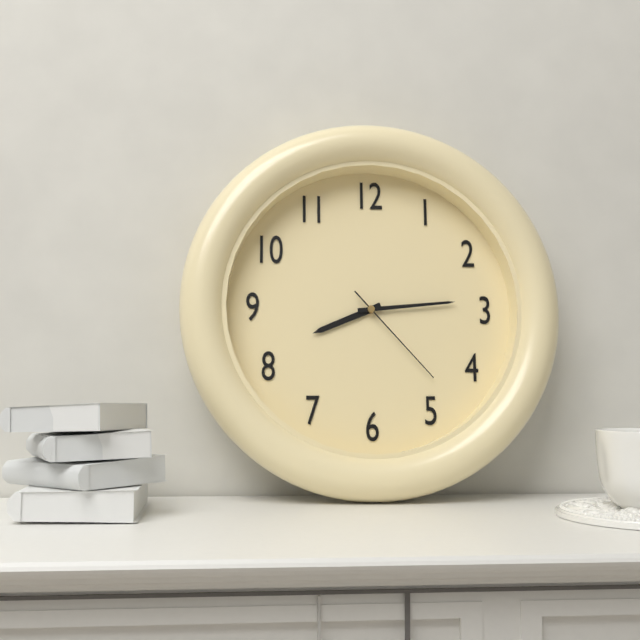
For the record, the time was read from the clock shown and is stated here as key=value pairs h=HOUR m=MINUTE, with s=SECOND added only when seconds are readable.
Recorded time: h=8 m=14 s=23
